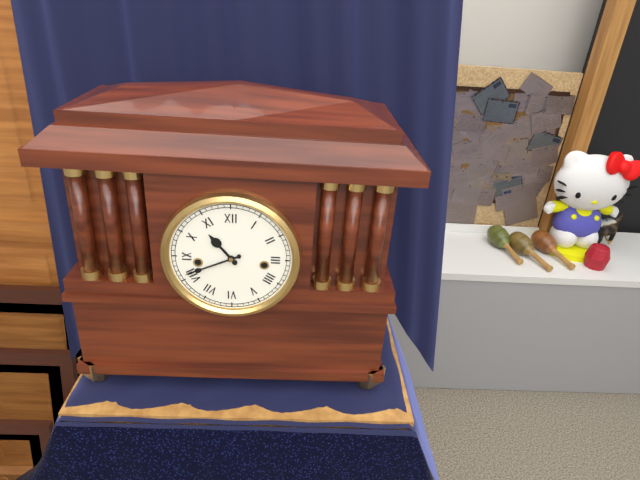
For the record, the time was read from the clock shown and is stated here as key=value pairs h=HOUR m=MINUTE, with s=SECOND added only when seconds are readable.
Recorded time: h=10 m=41
